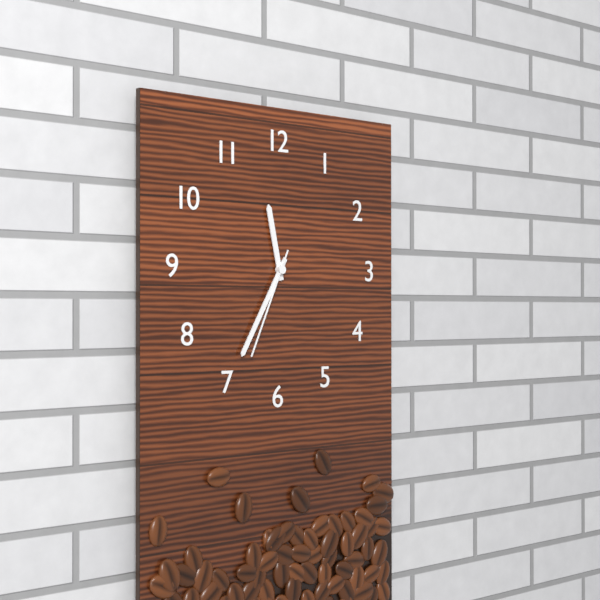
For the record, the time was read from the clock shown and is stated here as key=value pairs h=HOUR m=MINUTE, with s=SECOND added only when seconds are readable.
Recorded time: h=11 m=35 s=34
